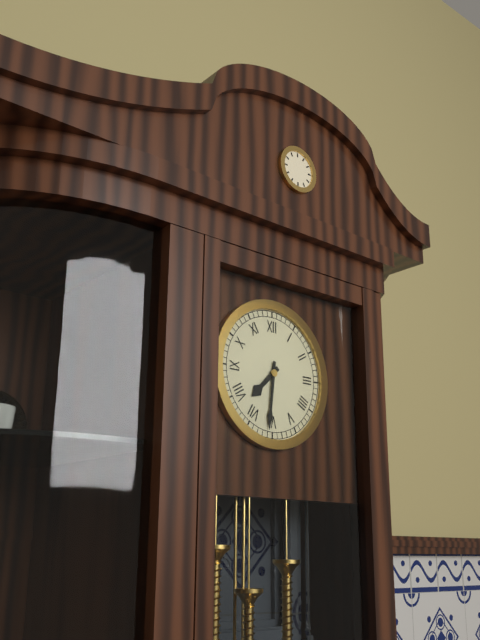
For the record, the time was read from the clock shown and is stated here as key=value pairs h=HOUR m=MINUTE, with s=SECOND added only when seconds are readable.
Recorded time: h=7 m=31
